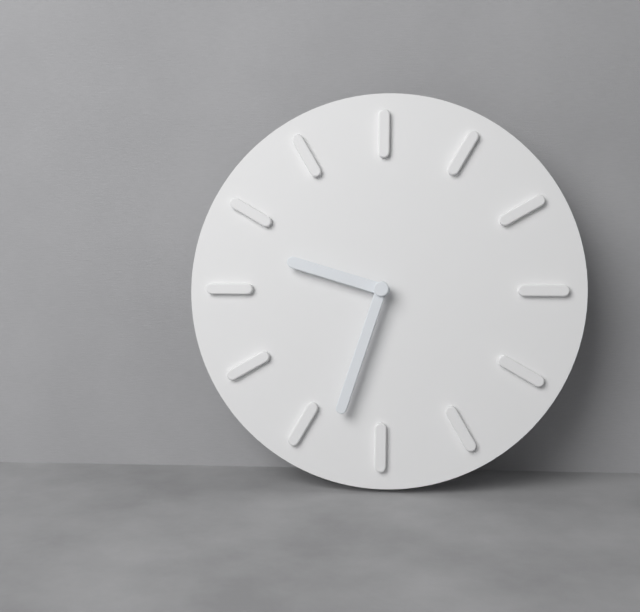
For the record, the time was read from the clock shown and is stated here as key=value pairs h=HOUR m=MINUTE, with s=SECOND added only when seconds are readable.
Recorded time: h=9 m=33
